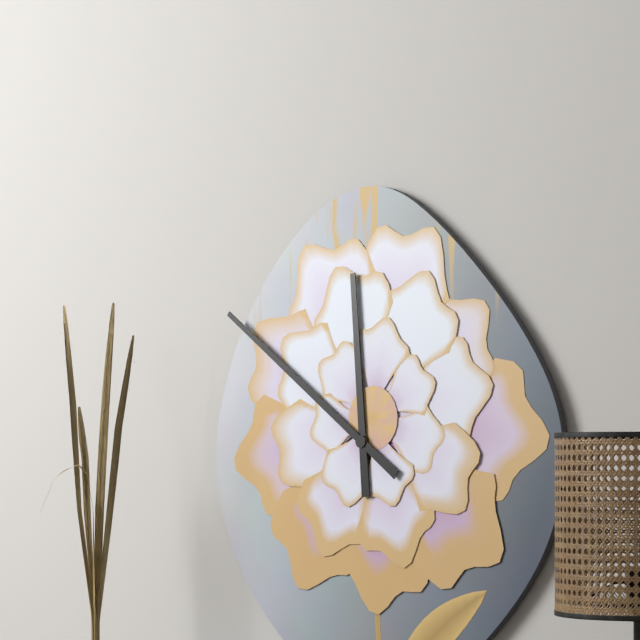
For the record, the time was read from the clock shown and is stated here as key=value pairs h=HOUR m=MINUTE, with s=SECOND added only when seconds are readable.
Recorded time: h=11 m=51
